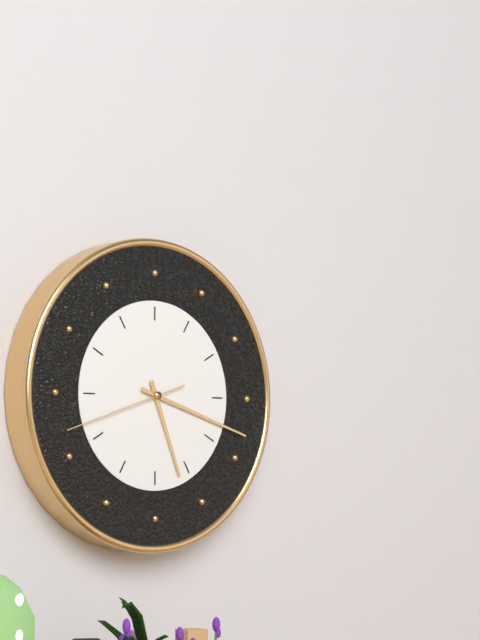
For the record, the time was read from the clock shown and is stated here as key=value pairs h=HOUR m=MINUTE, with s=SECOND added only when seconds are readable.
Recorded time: h=5 m=18 s=42
